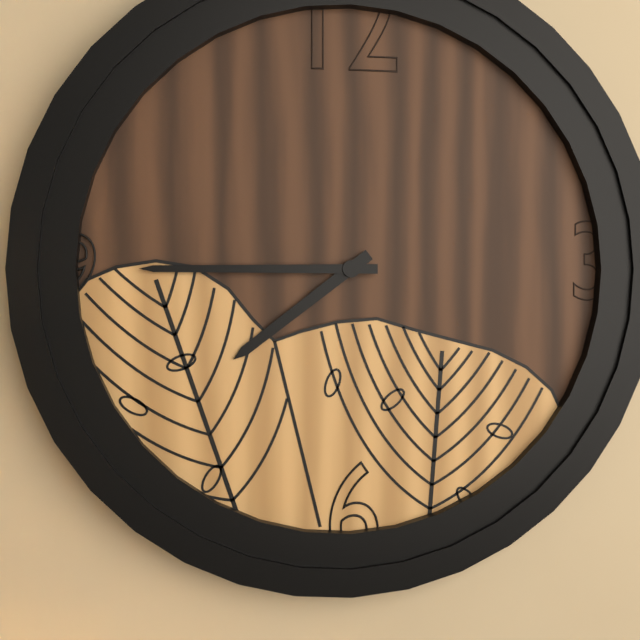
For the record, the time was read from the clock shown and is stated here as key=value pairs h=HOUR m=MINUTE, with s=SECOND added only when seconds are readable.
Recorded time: h=7 m=45
